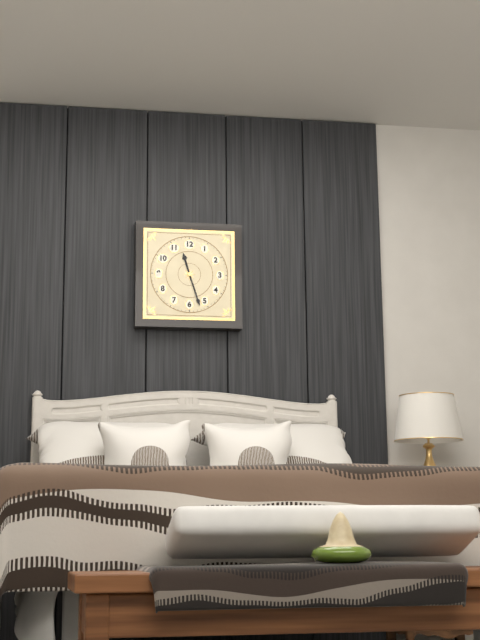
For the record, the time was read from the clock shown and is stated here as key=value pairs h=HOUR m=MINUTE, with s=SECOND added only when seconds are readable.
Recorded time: h=11 m=27
